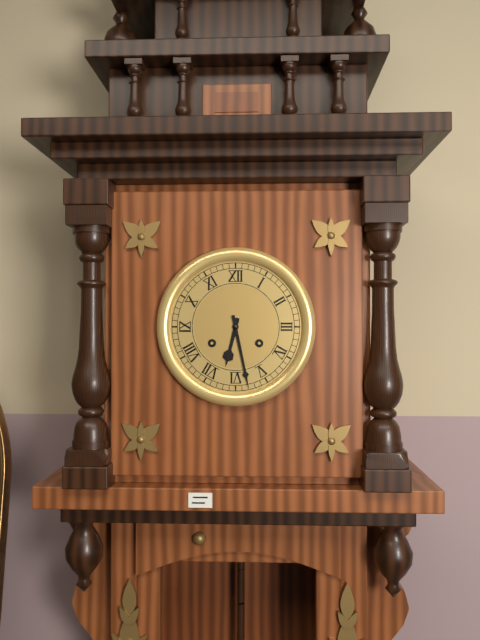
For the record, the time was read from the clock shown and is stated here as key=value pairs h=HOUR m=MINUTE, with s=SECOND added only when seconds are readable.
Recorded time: h=6 m=28
